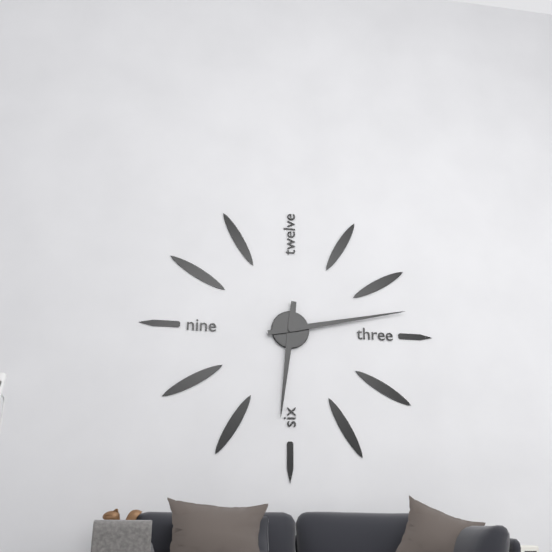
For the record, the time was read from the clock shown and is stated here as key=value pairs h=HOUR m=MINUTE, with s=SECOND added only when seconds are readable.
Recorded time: h=6 m=13
